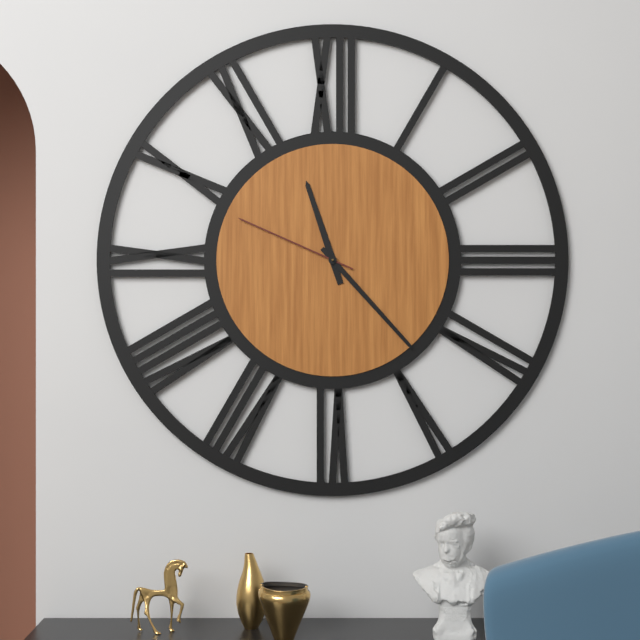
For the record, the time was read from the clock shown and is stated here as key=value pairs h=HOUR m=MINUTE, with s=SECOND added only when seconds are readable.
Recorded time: h=11 m=23 s=49
